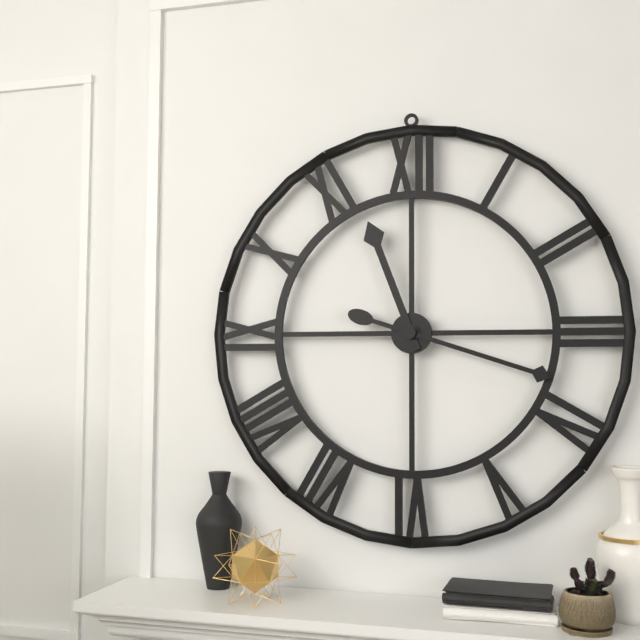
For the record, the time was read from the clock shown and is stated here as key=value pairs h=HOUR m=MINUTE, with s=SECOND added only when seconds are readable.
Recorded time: h=11 m=18
